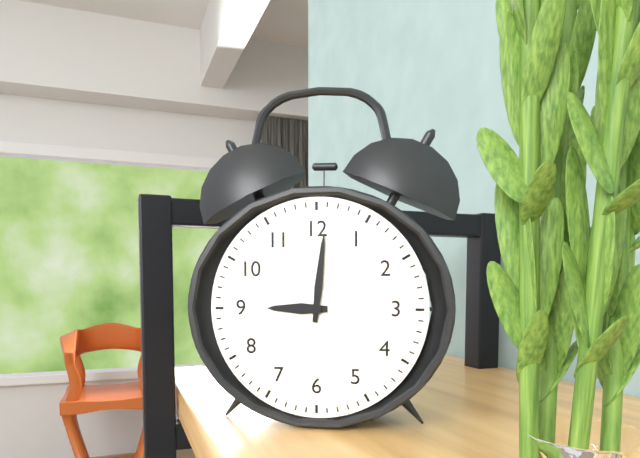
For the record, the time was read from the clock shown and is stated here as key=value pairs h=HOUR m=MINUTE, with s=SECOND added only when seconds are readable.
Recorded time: h=9 m=1
